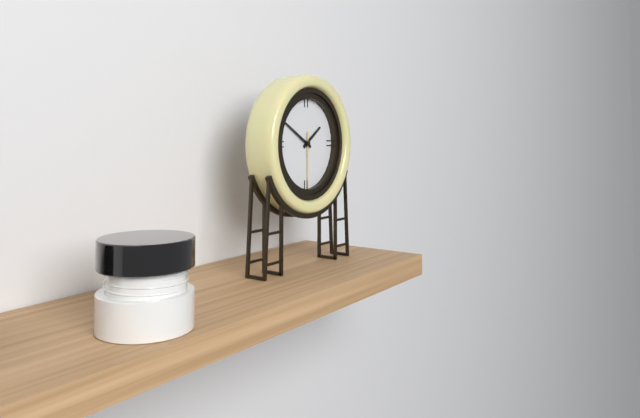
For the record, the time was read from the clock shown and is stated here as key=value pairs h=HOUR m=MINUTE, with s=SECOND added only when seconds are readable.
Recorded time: h=1 m=50 s=30
